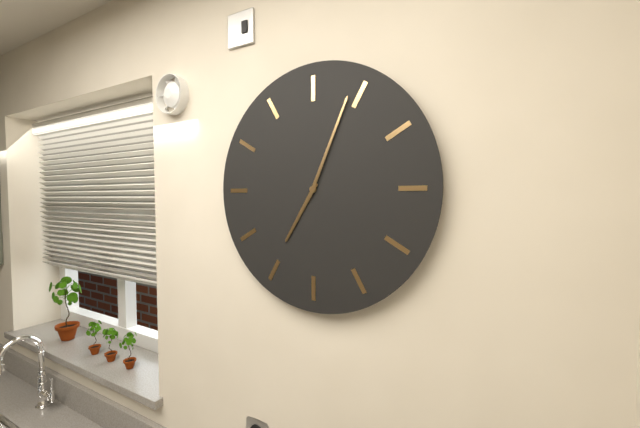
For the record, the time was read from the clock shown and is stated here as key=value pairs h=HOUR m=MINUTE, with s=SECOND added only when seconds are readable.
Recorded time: h=7 m=4
